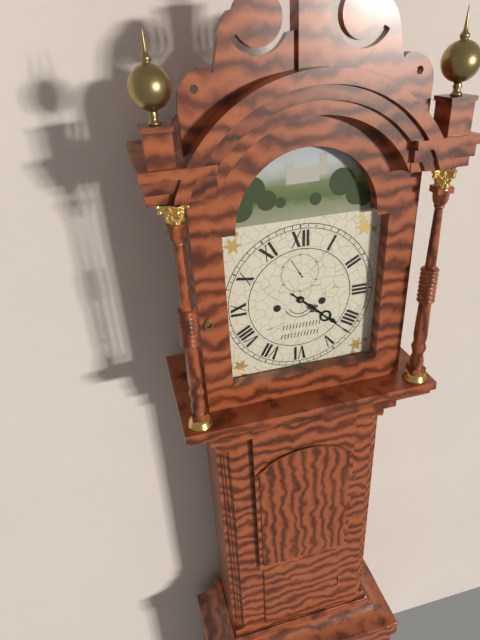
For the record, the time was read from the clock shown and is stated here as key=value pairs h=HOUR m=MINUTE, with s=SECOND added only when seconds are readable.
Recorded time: h=4 m=22
